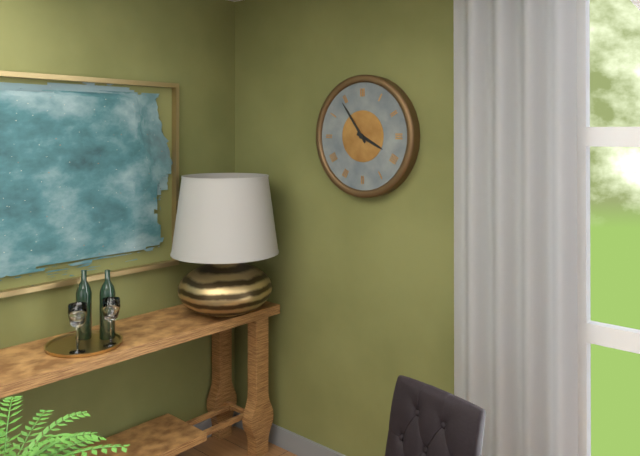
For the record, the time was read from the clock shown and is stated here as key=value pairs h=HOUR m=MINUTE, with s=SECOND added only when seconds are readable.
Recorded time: h=3 m=54
